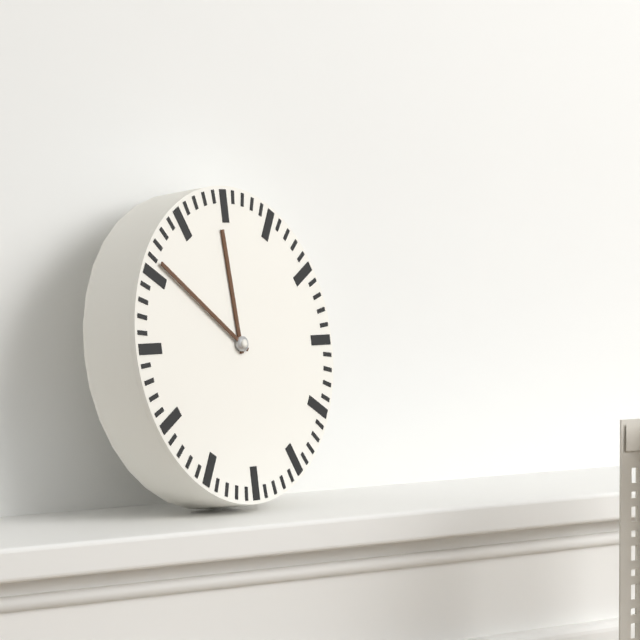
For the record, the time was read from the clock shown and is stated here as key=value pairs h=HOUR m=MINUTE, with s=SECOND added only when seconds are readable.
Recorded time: h=11 m=51
